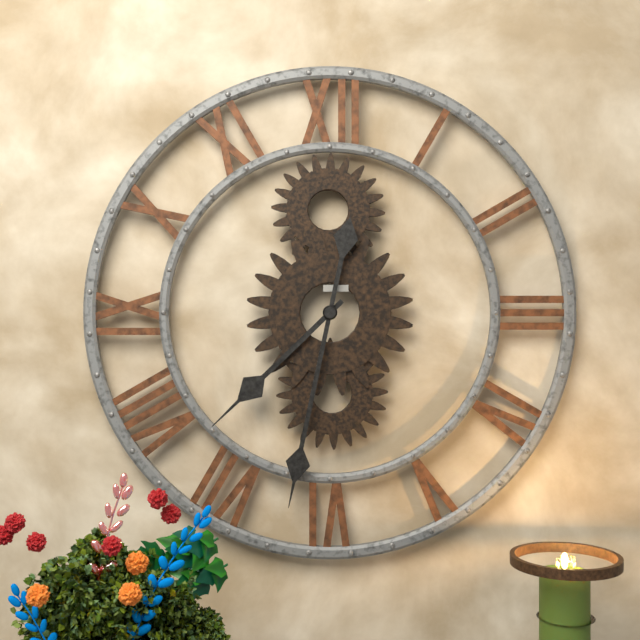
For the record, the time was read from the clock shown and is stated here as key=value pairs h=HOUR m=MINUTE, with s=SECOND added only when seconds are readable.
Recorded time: h=7 m=32
